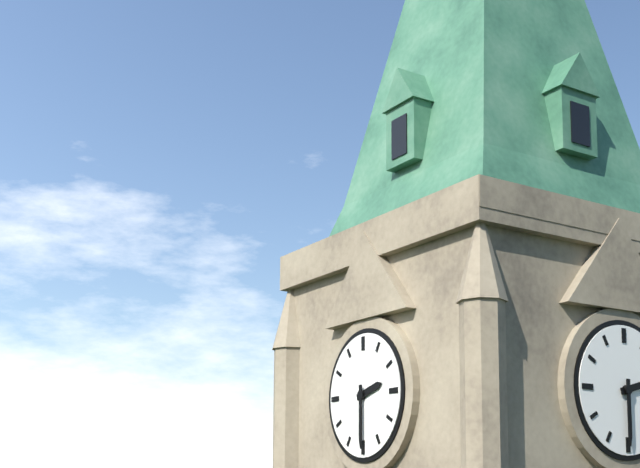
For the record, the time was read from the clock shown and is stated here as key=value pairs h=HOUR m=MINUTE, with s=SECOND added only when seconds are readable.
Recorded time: h=2 m=30
